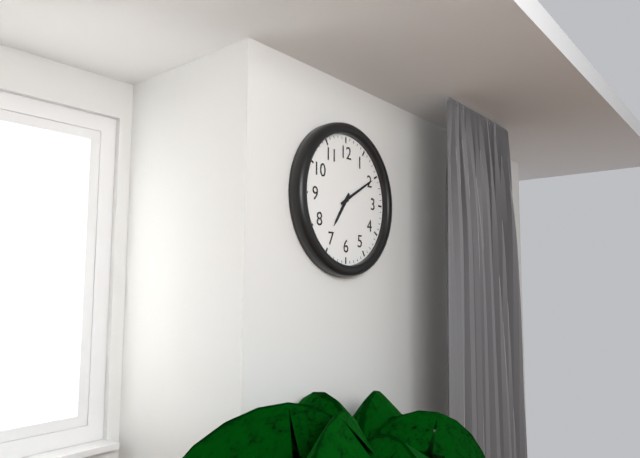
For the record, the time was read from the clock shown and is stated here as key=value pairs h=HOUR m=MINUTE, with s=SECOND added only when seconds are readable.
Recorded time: h=7 m=10
